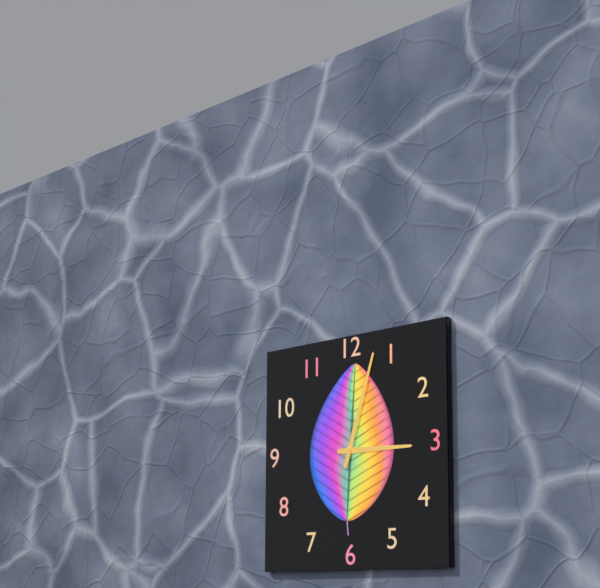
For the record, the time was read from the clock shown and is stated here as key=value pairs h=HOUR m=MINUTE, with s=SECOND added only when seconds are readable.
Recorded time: h=3 m=3
